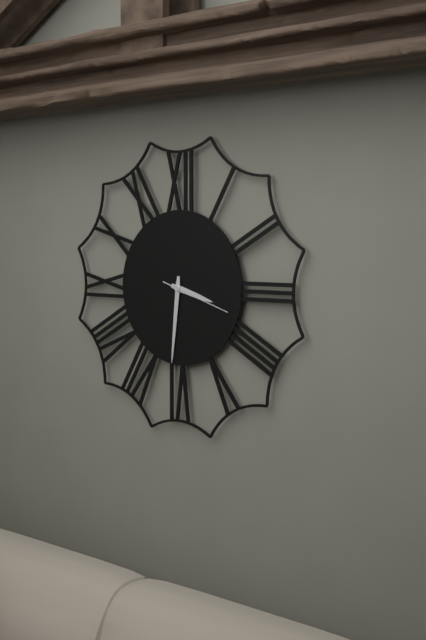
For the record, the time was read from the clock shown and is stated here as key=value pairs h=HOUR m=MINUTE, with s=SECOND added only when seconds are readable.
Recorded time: h=3 m=31 s=18
